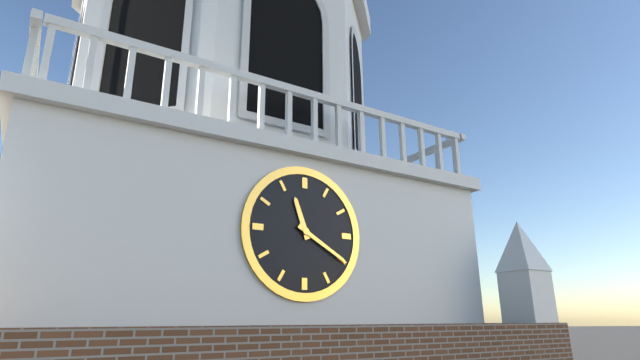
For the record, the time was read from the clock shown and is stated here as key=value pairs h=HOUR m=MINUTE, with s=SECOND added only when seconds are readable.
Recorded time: h=11 m=20
